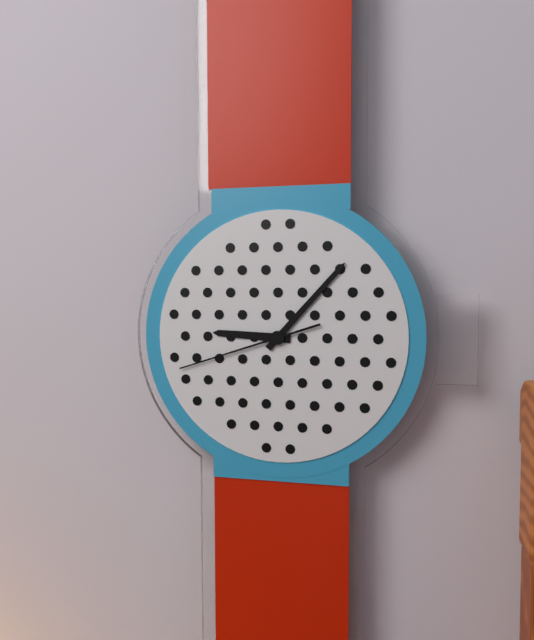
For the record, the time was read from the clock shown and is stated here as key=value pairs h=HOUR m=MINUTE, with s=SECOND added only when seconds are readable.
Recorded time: h=9 m=7 s=42
